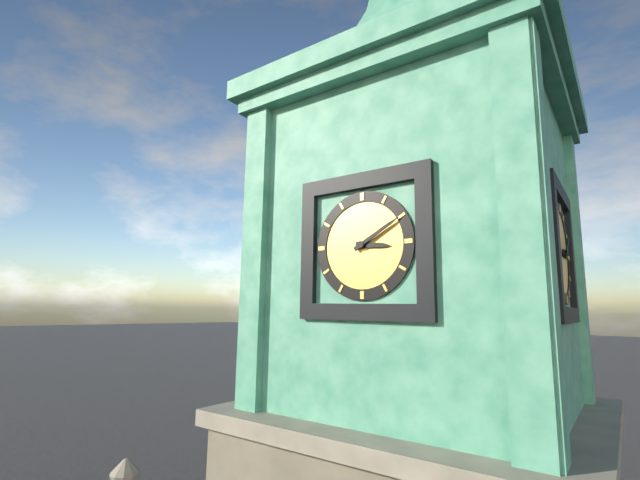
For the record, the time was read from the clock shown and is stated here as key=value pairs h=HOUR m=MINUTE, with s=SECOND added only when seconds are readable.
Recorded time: h=3 m=10
